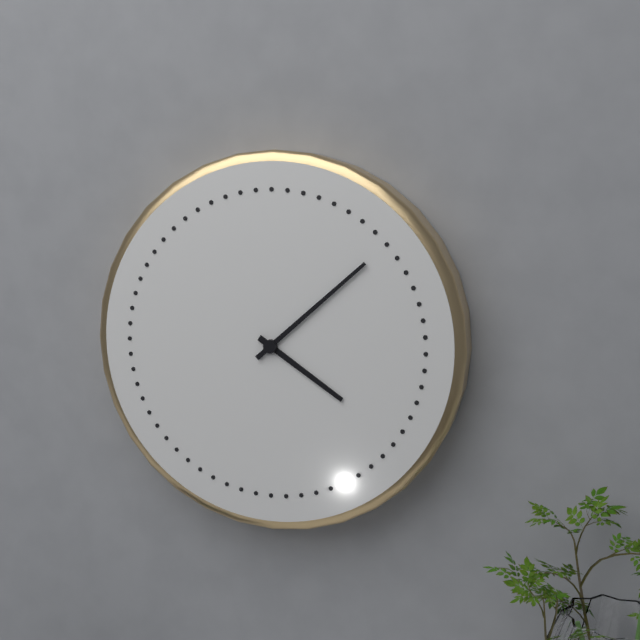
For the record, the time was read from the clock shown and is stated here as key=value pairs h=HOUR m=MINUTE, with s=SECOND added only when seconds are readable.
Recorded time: h=4 m=8
